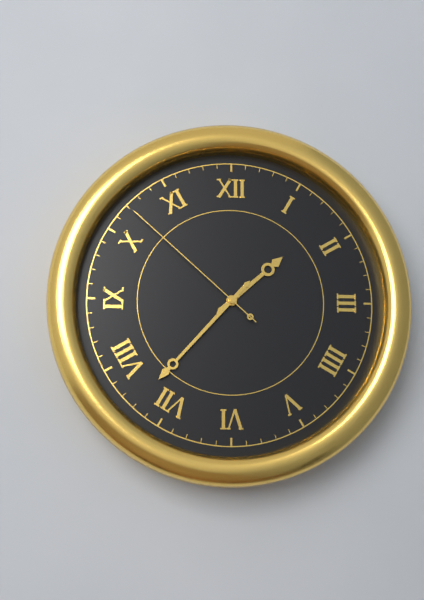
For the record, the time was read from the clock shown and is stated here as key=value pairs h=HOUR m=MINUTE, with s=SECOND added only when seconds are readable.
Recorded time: h=1 m=37 s=52
